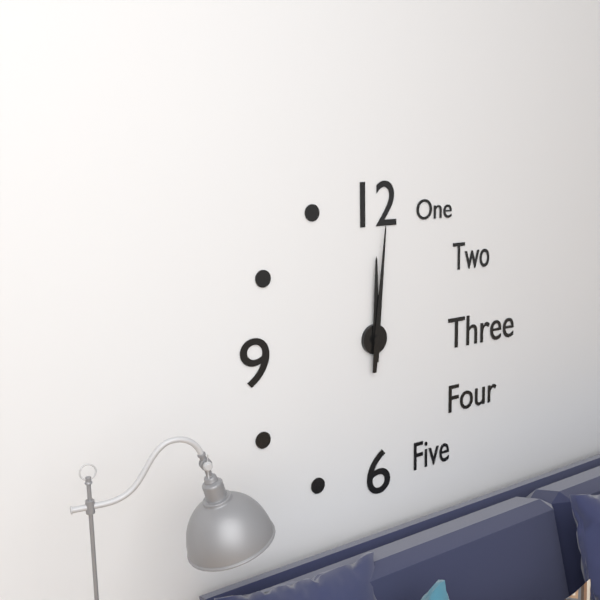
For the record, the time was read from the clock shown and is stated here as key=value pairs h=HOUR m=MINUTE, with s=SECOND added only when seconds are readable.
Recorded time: h=12 m=1
